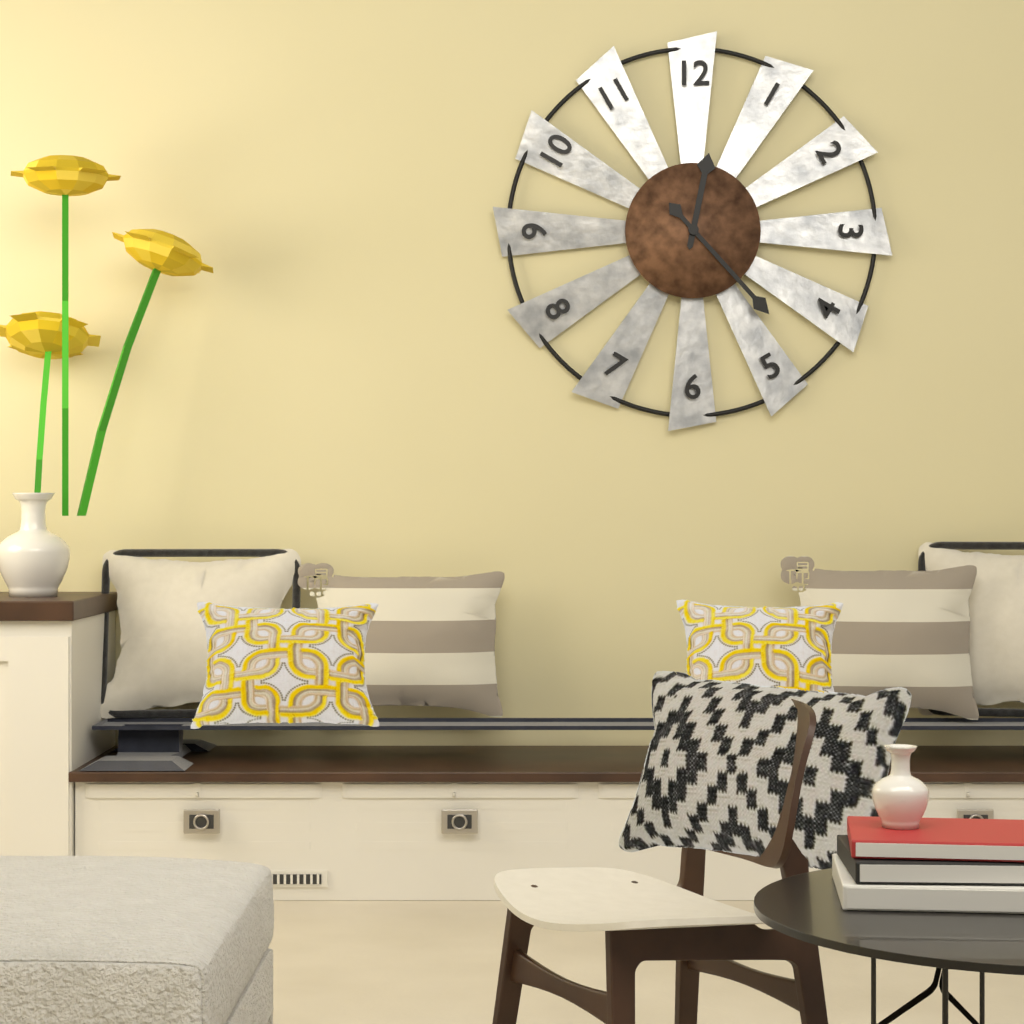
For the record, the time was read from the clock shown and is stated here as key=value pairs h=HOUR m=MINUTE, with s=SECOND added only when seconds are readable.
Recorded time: h=12 m=23
